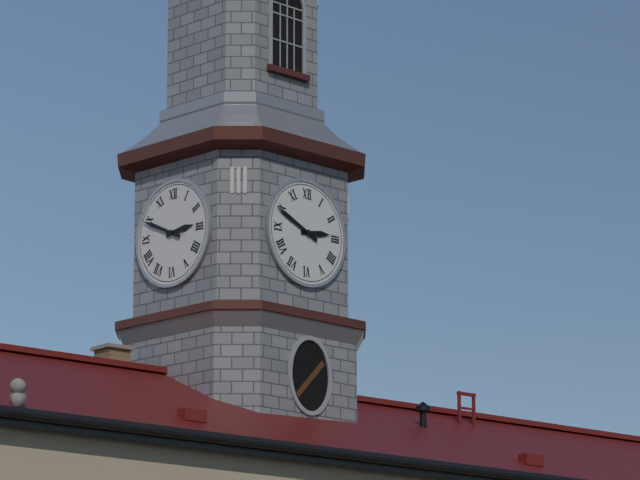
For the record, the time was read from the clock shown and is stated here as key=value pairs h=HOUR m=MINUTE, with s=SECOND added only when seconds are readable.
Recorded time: h=2 m=49
